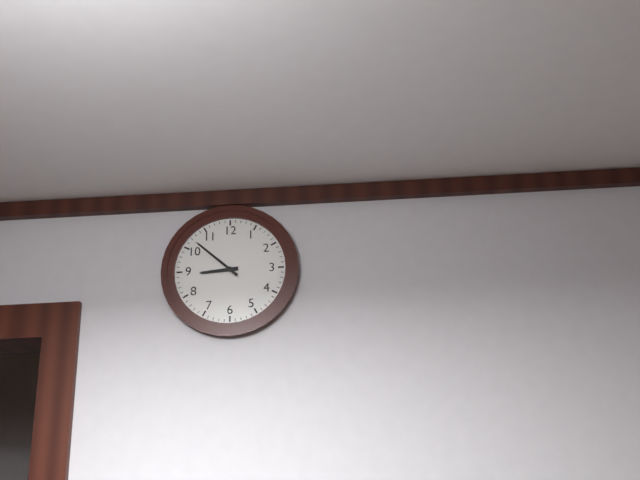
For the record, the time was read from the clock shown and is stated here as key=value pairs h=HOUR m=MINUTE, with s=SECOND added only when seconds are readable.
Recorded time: h=8 m=52
